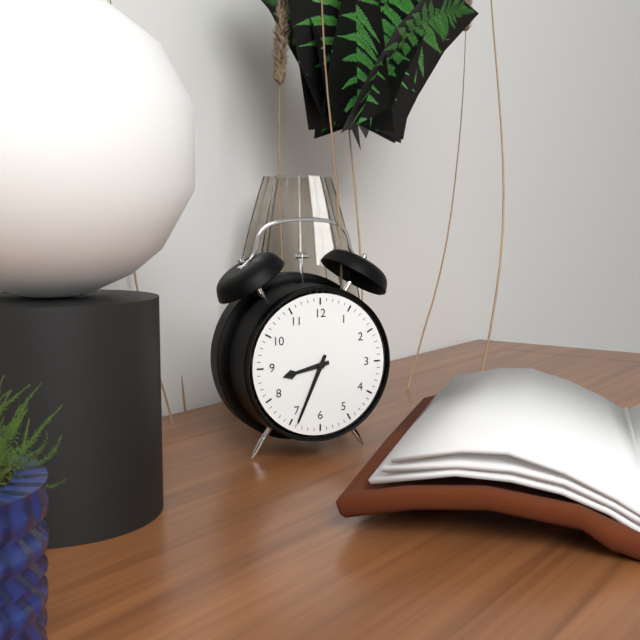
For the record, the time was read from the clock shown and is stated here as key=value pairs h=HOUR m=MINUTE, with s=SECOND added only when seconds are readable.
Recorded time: h=8 m=34
